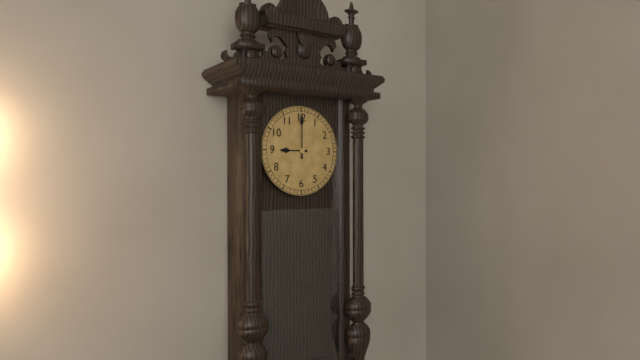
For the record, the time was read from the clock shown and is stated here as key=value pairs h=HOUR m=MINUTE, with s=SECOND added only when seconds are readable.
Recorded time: h=9 m=0
